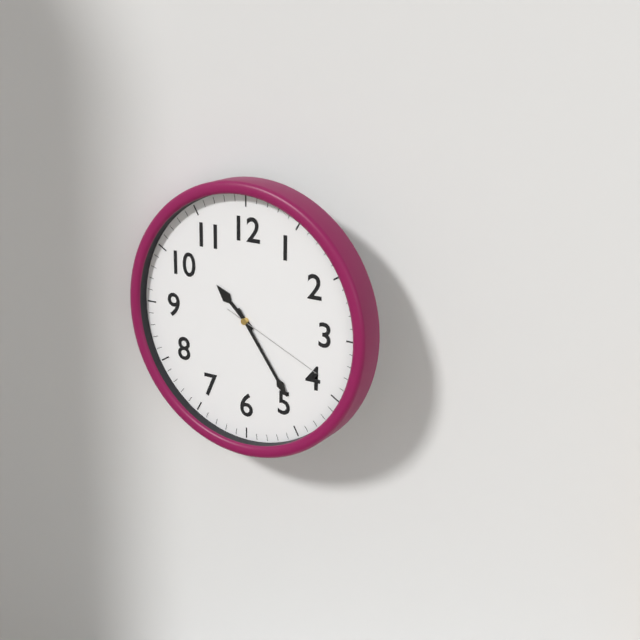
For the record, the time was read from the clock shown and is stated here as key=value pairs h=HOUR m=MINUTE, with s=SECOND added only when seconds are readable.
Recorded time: h=10 m=24 s=19
